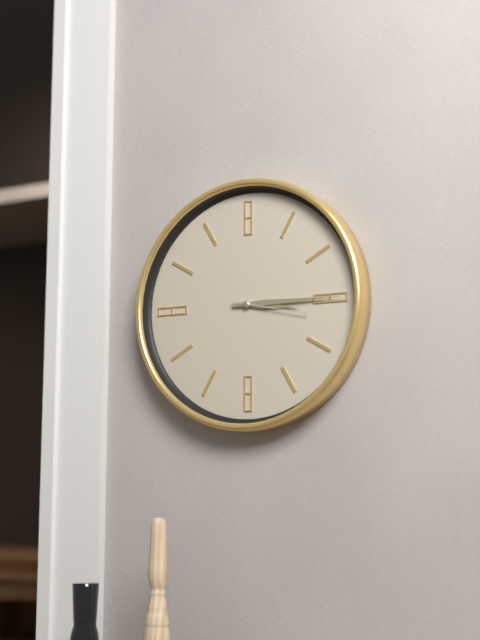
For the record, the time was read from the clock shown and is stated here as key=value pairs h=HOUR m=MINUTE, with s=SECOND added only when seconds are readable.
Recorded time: h=3 m=15 s=17
